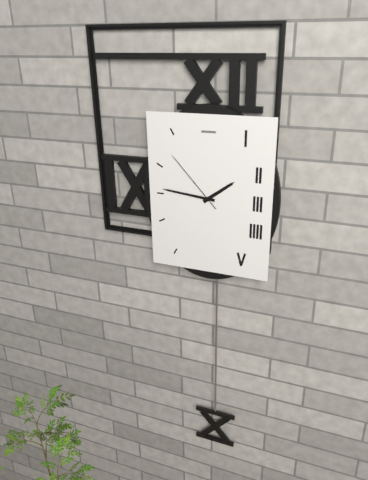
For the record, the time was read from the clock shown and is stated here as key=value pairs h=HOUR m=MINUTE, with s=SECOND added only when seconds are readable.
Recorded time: h=1 m=46 s=53
